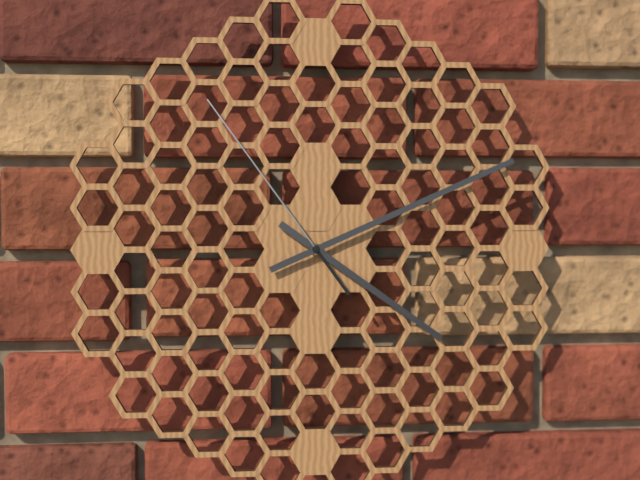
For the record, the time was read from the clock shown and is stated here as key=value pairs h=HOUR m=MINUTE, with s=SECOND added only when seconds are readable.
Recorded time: h=4 m=11 s=54
